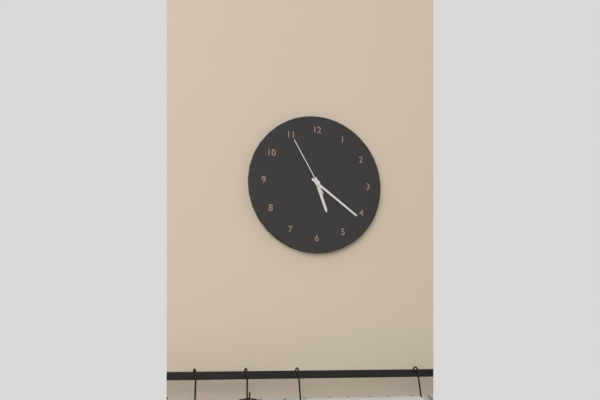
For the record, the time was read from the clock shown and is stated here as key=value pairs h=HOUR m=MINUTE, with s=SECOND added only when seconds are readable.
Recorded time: h=5 m=21 s=55
